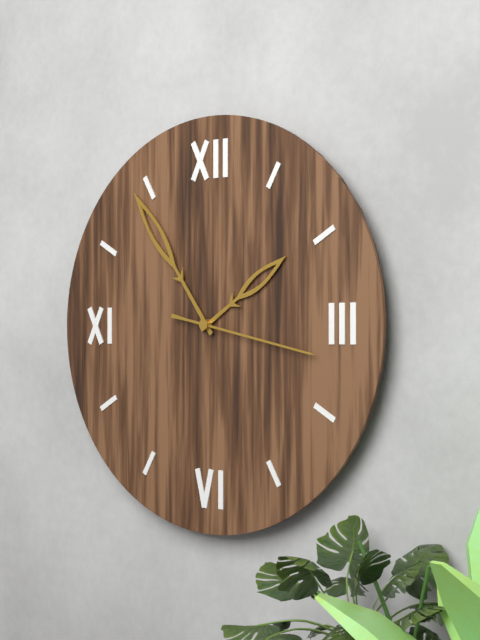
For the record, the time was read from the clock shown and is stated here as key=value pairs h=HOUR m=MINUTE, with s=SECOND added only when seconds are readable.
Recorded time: h=1 m=54 s=17
